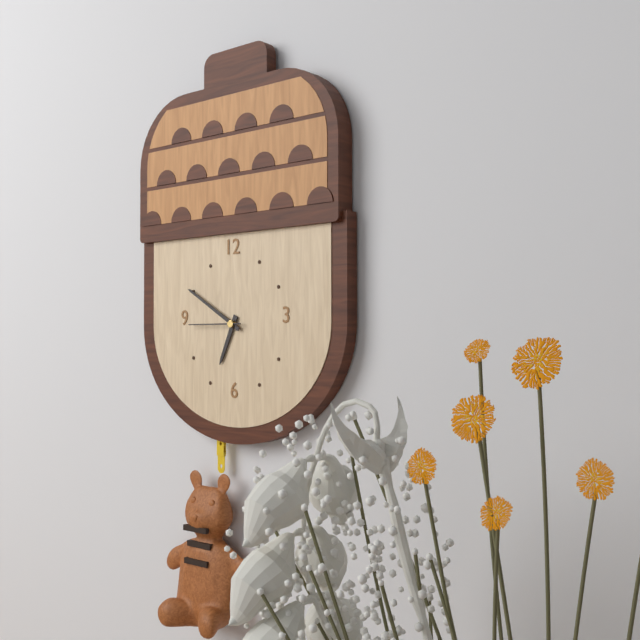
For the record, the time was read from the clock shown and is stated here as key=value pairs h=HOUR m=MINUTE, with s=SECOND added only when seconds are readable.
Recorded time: h=6 m=50 s=45
